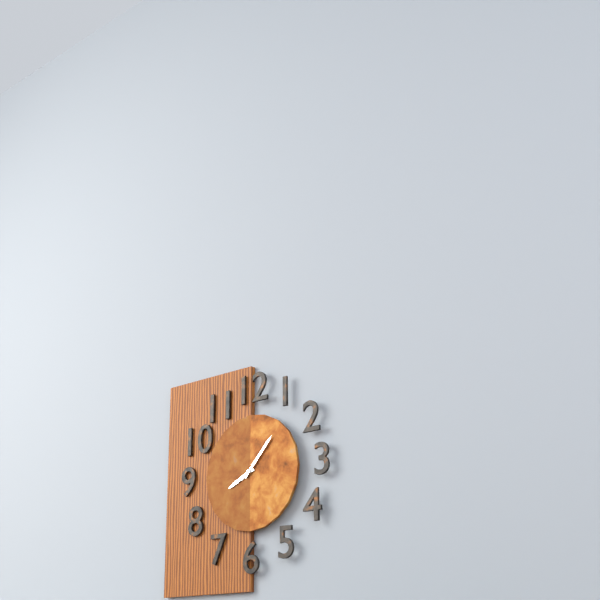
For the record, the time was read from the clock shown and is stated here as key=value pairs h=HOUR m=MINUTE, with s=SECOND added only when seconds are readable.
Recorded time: h=8 m=7
